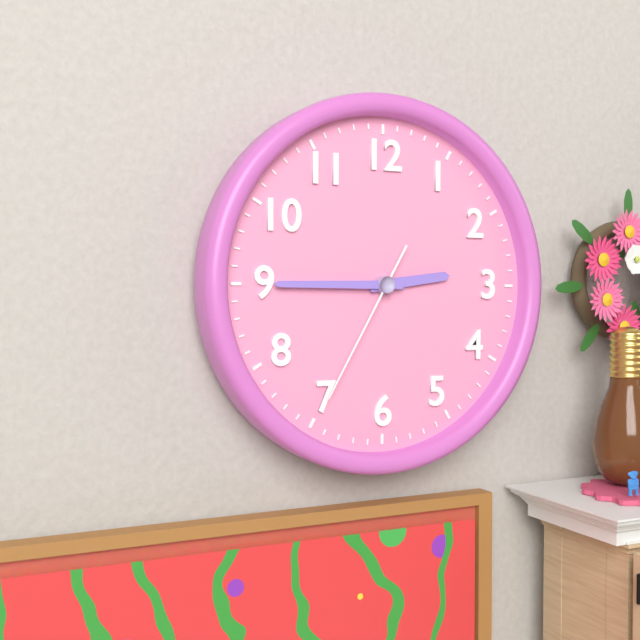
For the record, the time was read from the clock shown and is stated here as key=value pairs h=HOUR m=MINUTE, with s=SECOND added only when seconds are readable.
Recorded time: h=2 m=45 s=35
